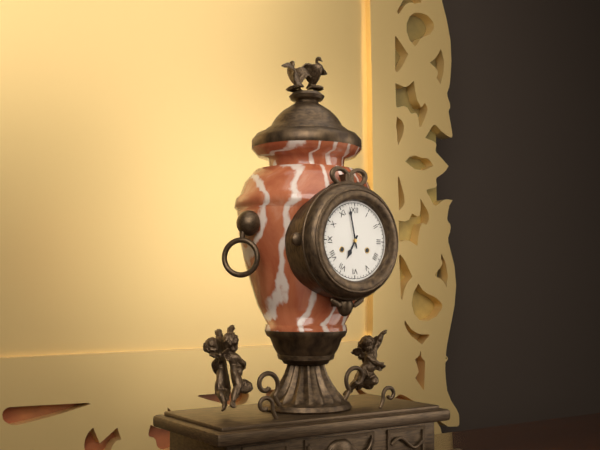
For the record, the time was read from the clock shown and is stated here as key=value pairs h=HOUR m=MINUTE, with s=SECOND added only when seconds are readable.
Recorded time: h=6 m=58
